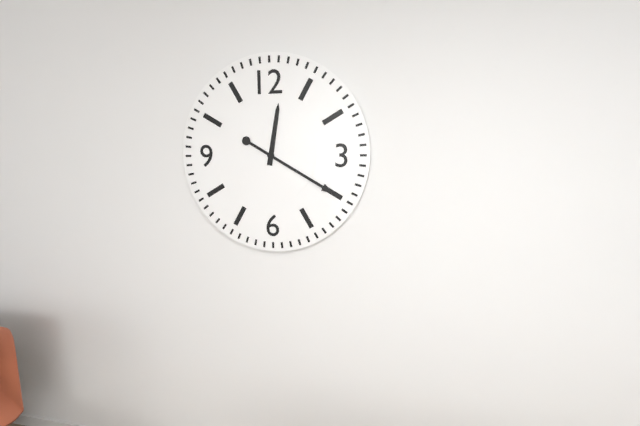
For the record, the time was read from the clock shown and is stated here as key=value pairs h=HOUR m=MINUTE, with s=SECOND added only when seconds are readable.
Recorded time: h=12 m=20
